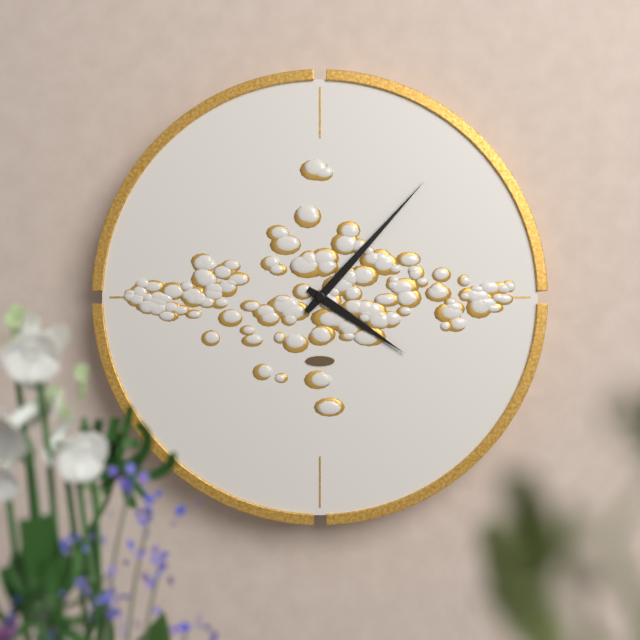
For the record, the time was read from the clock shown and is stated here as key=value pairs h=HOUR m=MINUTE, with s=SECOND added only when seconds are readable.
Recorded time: h=4 m=7
